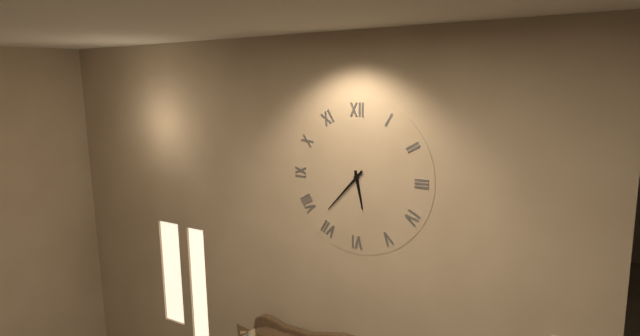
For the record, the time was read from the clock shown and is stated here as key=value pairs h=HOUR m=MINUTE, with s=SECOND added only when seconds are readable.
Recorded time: h=5 m=37
